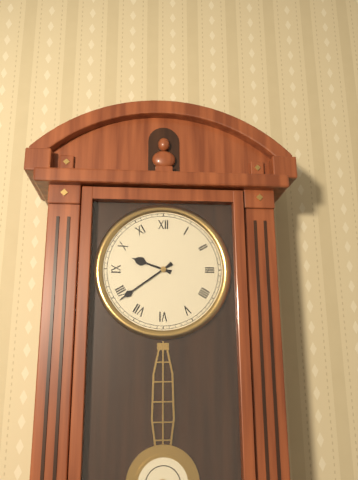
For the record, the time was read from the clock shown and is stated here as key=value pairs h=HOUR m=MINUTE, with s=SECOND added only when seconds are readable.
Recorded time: h=9 m=39
